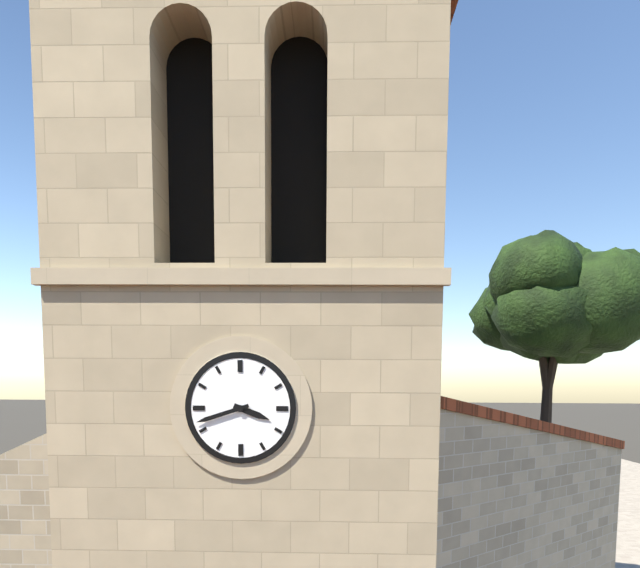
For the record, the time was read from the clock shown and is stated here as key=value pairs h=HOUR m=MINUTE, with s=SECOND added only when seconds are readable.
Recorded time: h=3 m=42
